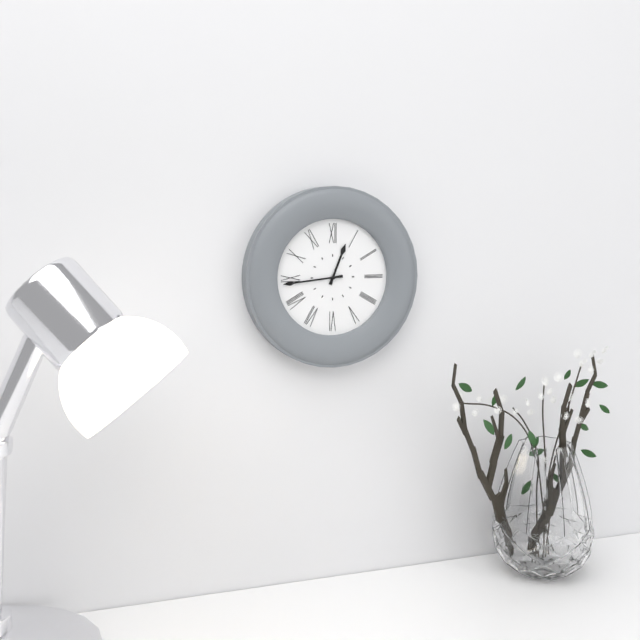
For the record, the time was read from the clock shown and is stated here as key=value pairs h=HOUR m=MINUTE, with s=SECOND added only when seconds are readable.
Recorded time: h=12 m=44
